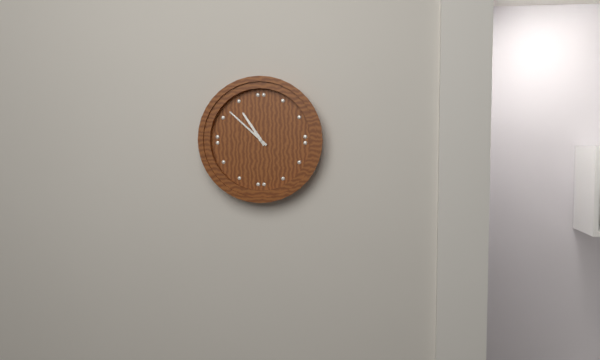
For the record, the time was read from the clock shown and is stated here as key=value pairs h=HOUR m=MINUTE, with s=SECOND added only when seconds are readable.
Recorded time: h=10 m=52
